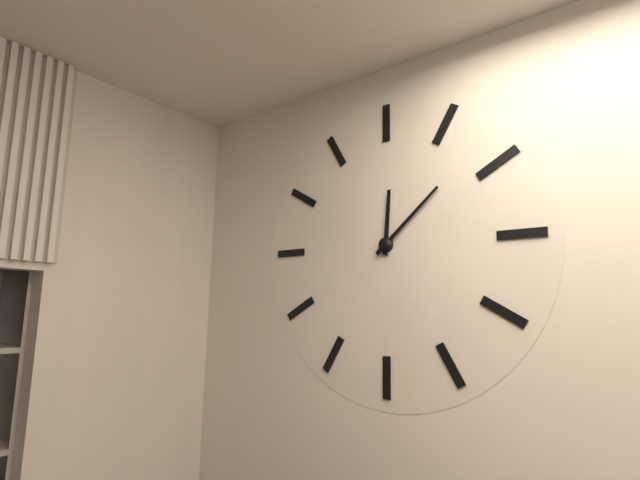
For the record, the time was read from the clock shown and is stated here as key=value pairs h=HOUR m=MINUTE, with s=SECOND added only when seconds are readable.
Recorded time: h=12 m=8
